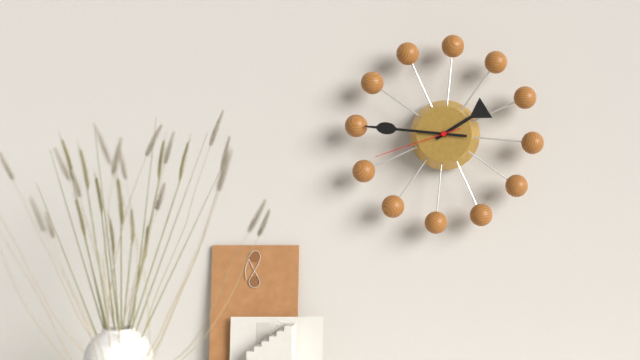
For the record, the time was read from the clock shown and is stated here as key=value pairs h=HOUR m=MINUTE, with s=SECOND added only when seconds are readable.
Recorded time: h=1 m=45 s=41
